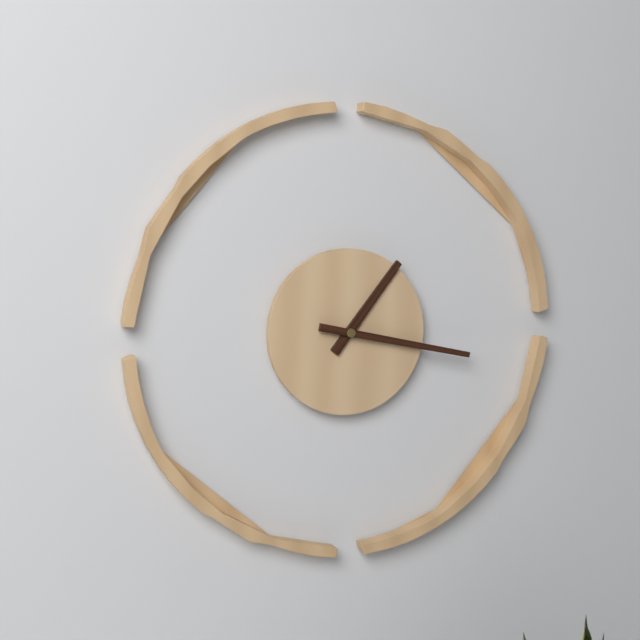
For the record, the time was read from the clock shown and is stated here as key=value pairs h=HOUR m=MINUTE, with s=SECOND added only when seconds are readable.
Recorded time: h=1 m=17
